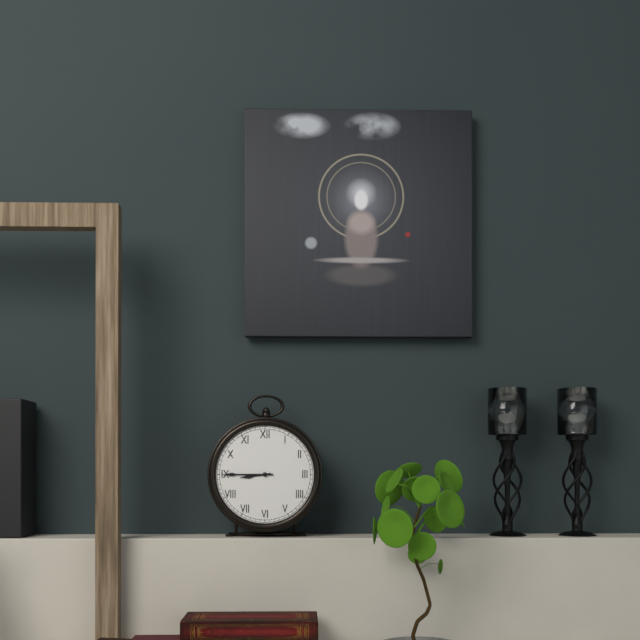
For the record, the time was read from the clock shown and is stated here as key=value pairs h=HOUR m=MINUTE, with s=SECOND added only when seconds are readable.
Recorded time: h=8 m=45
